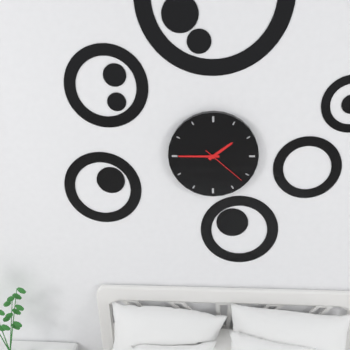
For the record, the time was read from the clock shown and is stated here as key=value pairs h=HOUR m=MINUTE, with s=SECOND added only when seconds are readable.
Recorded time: h=1 m=45
